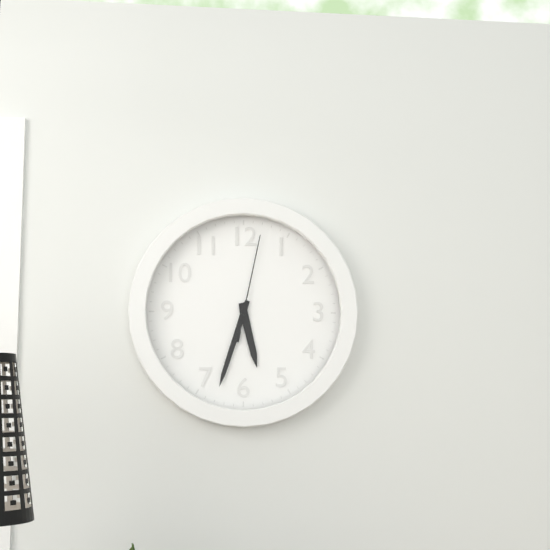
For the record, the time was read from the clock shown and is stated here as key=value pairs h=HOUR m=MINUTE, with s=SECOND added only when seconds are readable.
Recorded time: h=5 m=33 s=2
